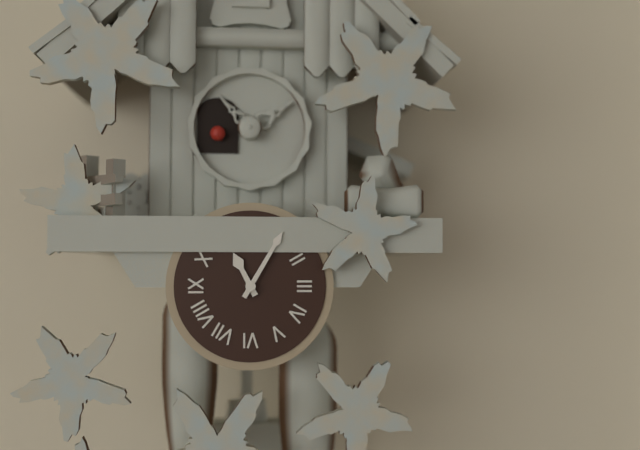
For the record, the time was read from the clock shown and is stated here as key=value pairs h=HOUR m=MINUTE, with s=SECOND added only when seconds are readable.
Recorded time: h=11 m=5
